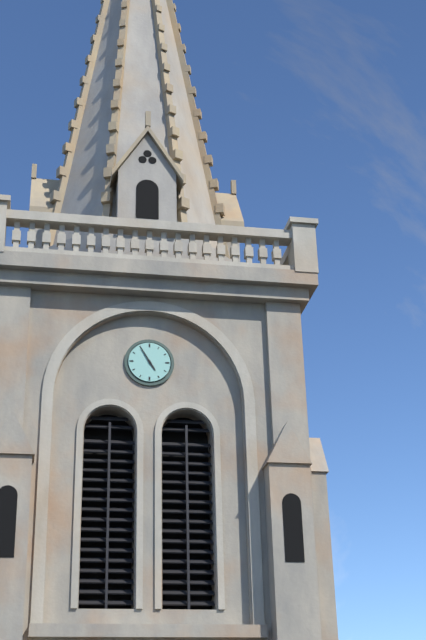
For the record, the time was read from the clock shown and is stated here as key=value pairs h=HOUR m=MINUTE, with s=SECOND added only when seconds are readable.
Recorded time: h=4 m=55
